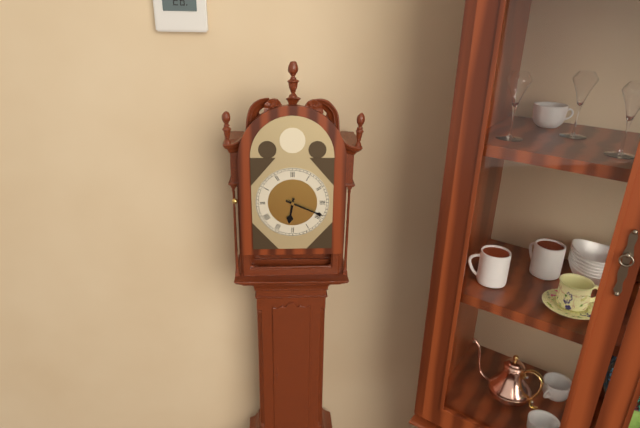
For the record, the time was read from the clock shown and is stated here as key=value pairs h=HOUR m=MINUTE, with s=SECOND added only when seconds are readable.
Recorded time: h=6 m=19
